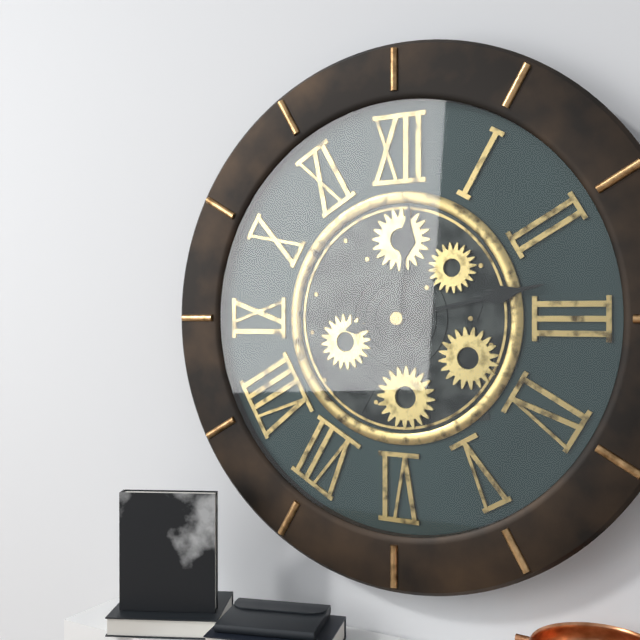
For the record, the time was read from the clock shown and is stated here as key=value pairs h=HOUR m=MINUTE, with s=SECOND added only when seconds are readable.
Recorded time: h=12 m=13
